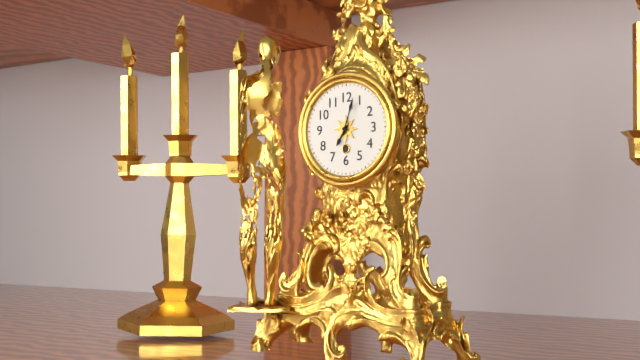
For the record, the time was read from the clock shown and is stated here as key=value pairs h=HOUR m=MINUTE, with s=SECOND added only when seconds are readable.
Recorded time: h=7 m=3
